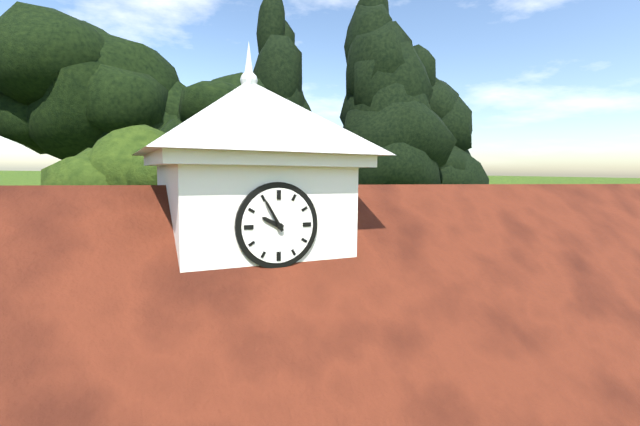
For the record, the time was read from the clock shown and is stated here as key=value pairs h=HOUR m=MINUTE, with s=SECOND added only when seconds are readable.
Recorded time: h=9 m=55
